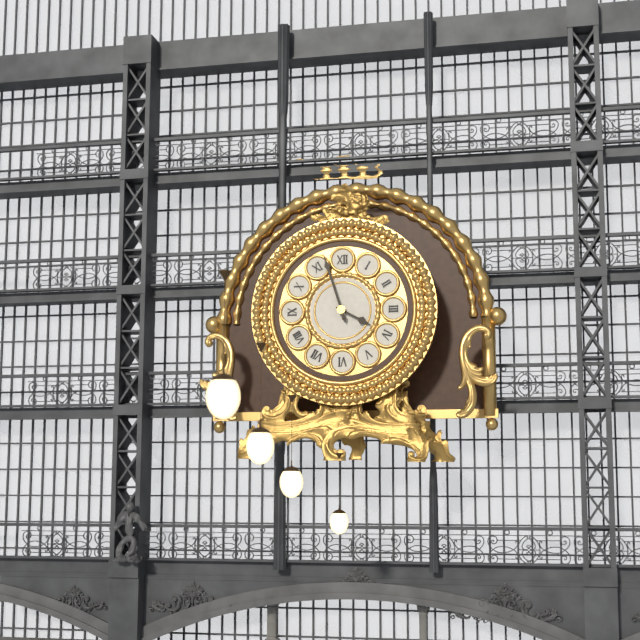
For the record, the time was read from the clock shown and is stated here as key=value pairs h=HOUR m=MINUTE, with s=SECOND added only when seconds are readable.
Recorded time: h=3 m=57
